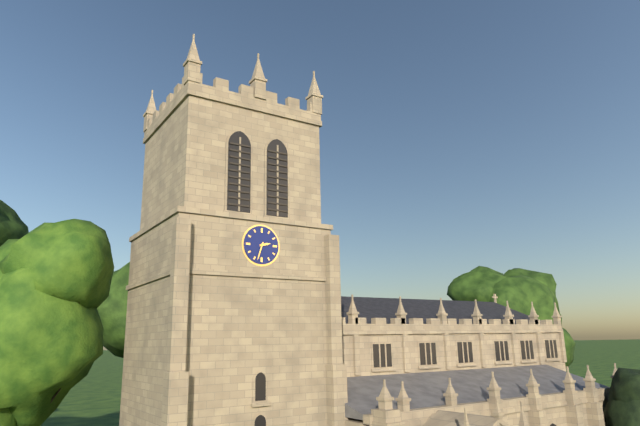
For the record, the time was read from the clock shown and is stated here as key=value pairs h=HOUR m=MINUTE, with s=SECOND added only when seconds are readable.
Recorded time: h=2 m=33
